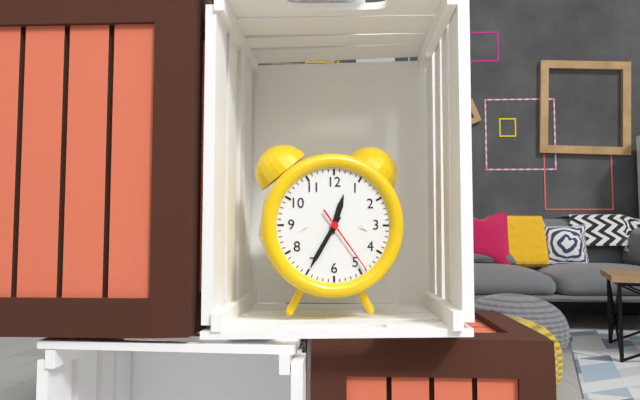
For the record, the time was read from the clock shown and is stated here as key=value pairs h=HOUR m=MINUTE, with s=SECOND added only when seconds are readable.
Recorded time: h=12 m=35 s=24
